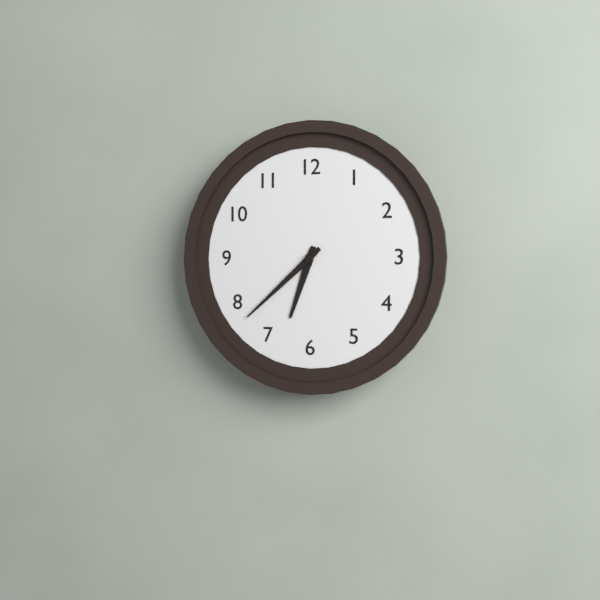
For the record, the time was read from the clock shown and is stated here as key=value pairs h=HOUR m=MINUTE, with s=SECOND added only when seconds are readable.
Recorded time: h=6 m=38
